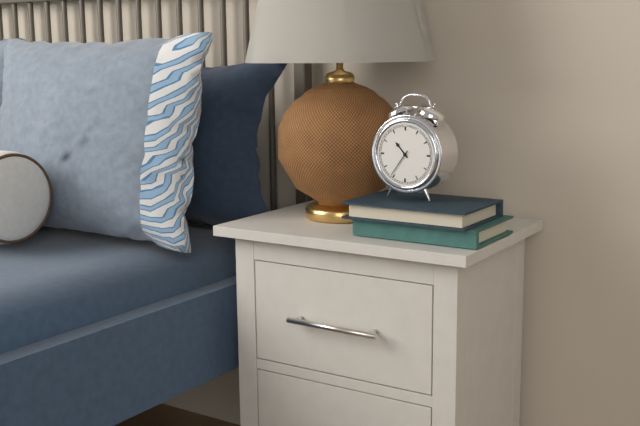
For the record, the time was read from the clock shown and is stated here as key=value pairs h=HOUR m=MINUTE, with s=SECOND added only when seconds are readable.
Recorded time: h=10 m=36
